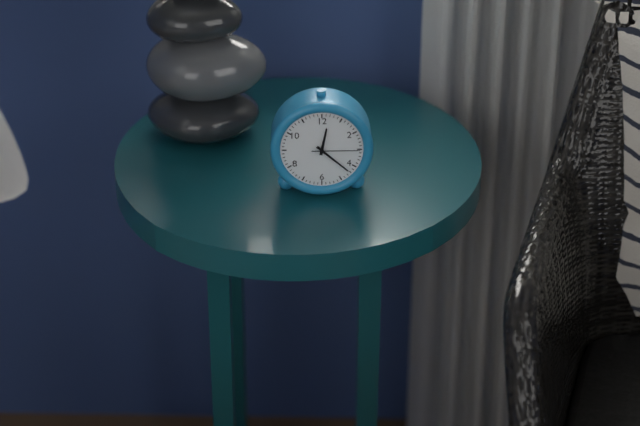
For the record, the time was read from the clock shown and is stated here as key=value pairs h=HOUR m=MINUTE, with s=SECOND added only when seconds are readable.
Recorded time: h=12 m=22
